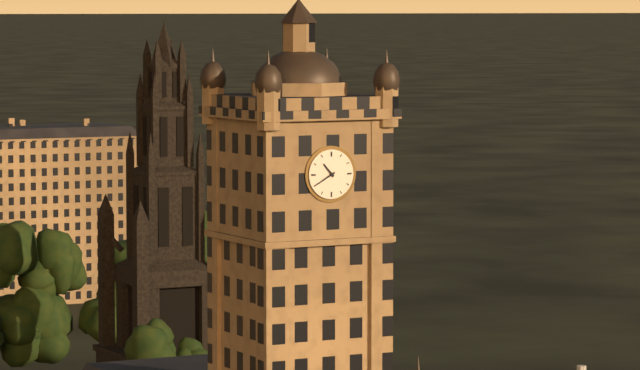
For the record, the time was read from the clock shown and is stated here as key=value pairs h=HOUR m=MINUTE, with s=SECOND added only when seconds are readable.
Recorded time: h=10 m=40
